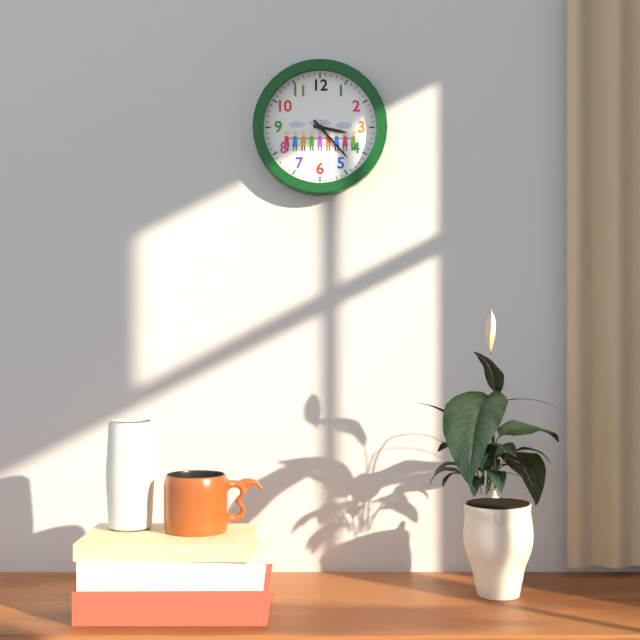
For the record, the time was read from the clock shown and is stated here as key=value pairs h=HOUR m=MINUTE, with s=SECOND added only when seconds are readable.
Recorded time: h=3 m=23
